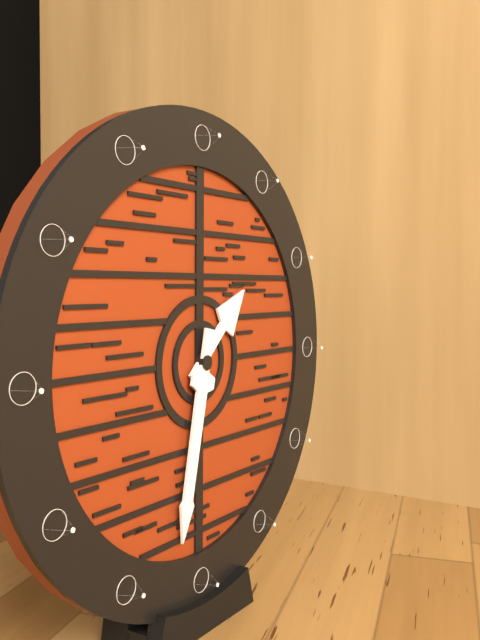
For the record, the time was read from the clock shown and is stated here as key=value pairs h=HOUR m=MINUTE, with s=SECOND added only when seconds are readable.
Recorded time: h=1 m=32
